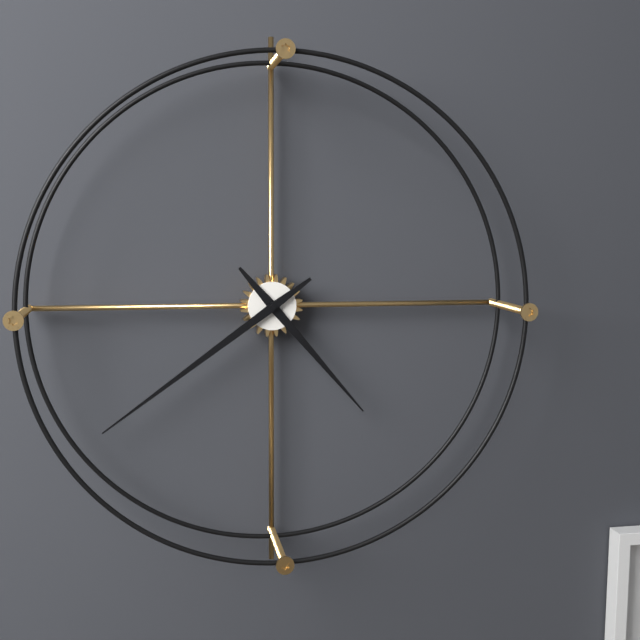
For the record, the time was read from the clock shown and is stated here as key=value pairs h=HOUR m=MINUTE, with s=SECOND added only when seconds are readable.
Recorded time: h=4 m=39
